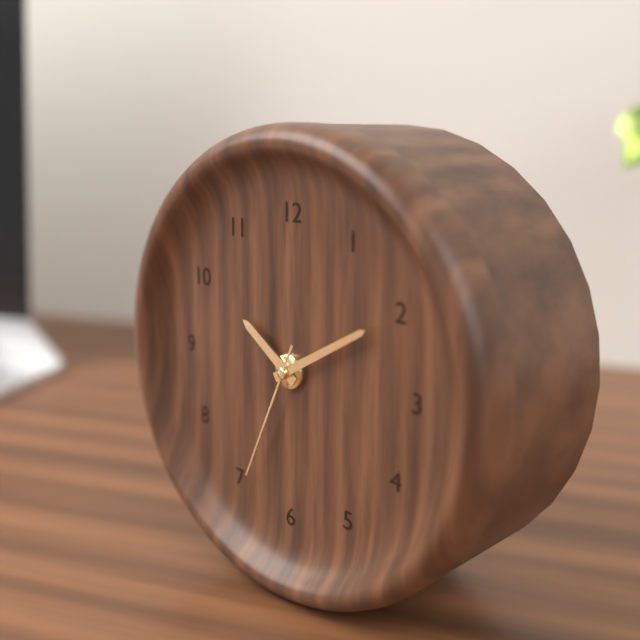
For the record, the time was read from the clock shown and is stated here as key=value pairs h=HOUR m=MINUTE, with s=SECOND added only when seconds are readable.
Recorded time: h=10 m=10 s=34
